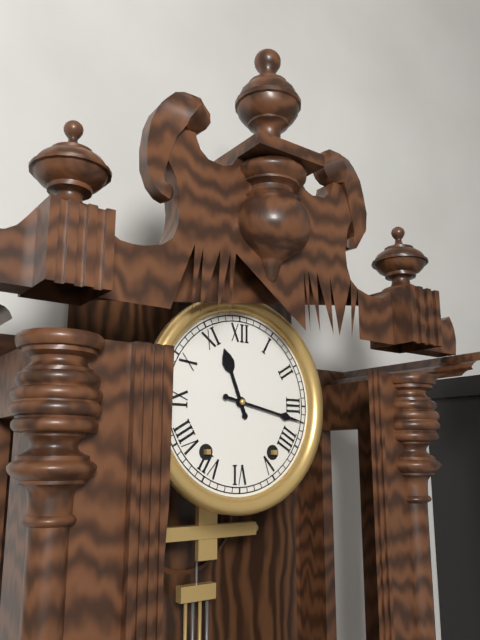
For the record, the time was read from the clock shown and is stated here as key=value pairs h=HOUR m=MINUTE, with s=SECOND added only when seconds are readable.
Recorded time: h=11 m=17
